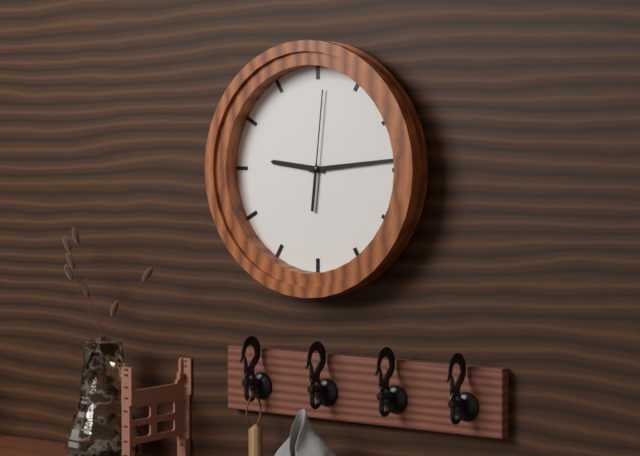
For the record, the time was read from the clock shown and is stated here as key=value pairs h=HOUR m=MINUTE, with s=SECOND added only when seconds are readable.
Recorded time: h=9 m=14 s=1
